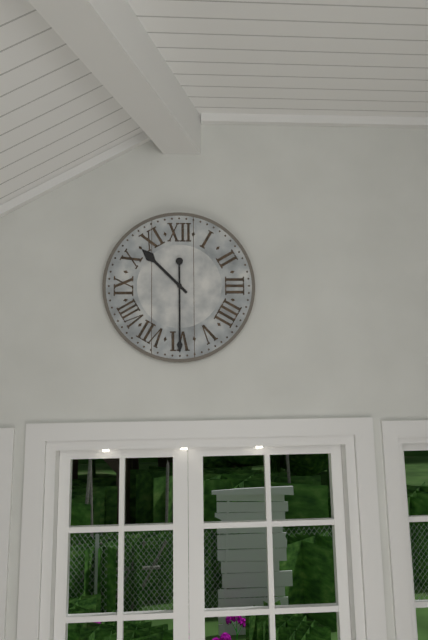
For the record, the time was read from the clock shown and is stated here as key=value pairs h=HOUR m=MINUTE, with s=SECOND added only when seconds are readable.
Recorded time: h=10 m=30
